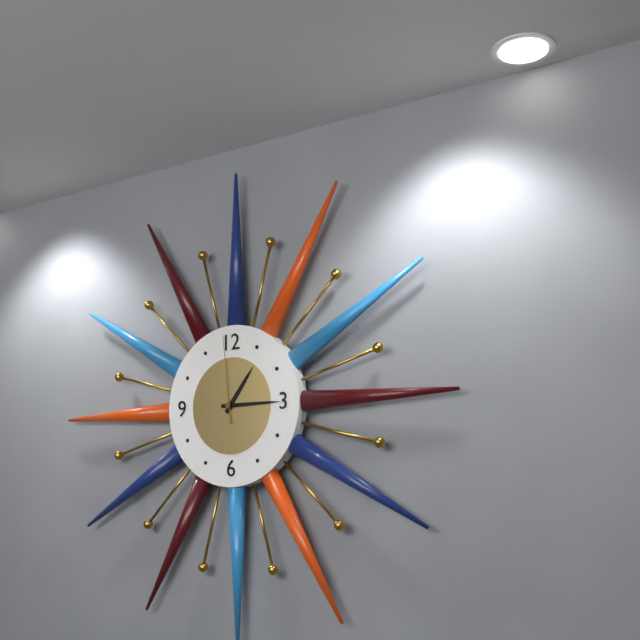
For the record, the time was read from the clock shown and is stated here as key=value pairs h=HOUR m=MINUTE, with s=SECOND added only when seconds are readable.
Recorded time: h=1 m=15 s=59
